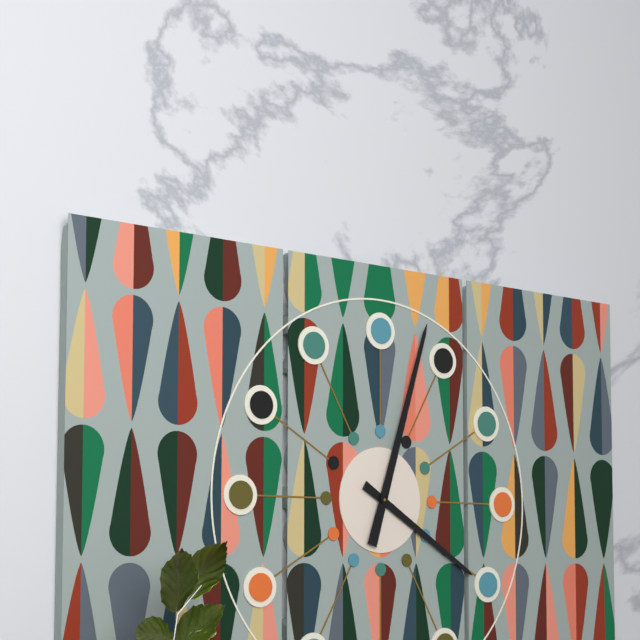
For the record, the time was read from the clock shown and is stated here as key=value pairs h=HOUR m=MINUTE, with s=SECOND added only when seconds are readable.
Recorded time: h=4 m=3
